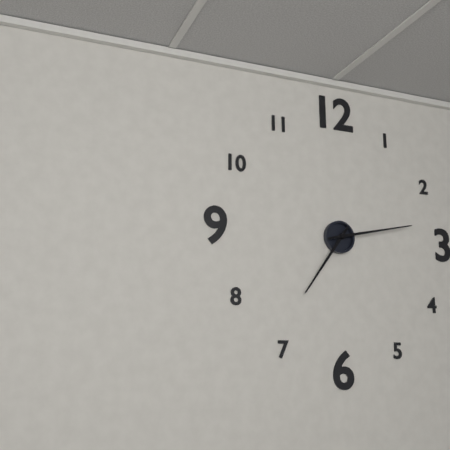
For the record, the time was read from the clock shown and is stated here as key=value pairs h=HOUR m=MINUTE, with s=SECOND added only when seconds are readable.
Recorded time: h=7 m=13
